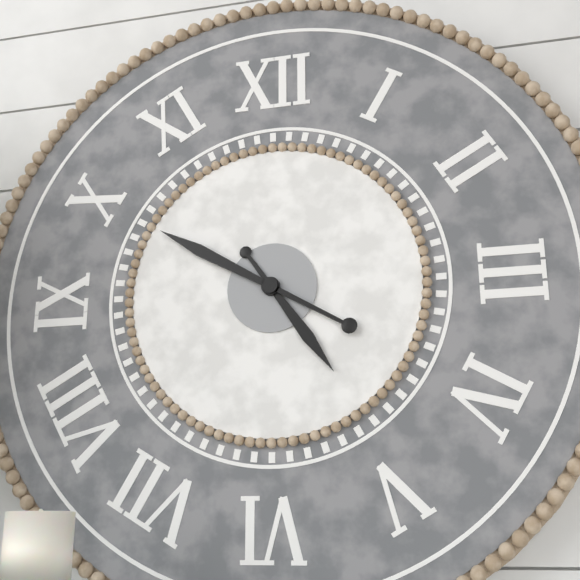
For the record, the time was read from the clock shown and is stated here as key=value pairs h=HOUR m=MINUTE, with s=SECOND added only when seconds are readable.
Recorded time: h=4 m=50
